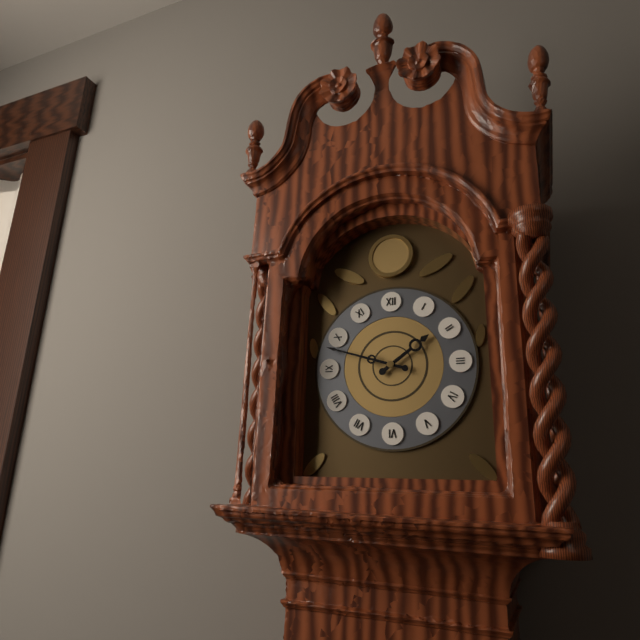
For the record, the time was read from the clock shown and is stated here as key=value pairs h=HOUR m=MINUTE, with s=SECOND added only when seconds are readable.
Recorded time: h=1 m=48
